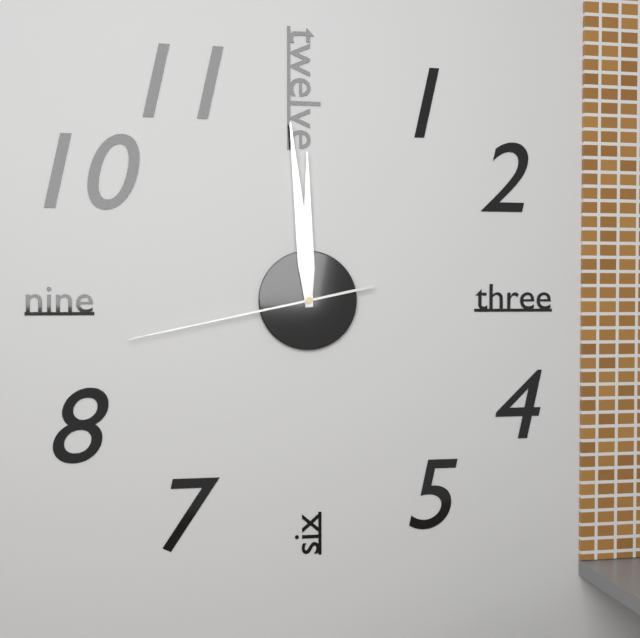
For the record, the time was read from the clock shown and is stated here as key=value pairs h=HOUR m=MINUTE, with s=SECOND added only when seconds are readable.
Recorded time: h=11 m=59 s=43
